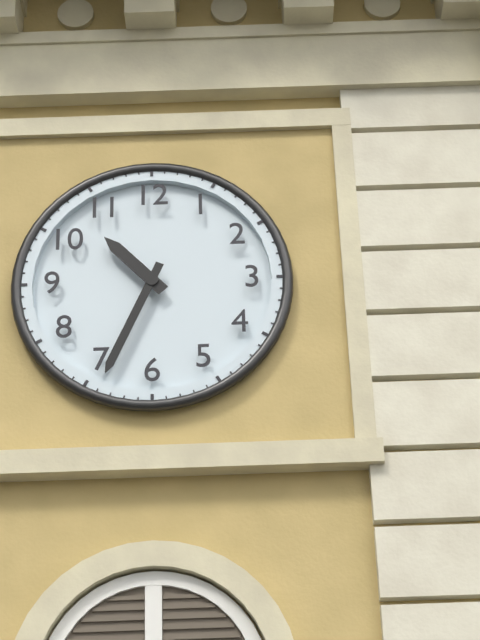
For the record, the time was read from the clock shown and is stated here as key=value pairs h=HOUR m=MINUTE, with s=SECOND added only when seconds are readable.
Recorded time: h=10 m=34
